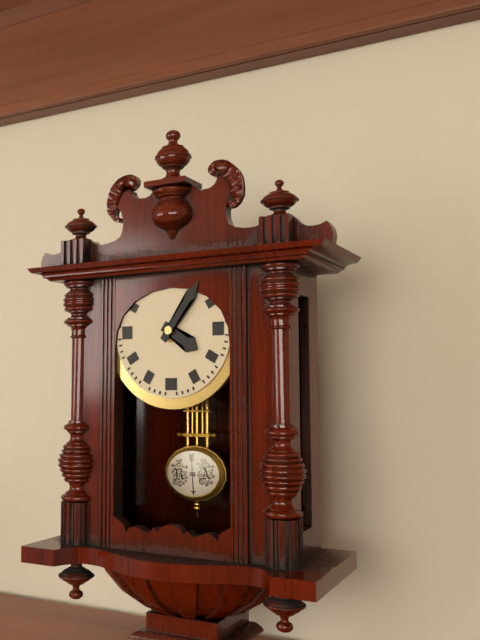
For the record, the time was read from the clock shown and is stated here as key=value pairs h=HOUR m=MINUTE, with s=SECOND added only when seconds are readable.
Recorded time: h=4 m=6
